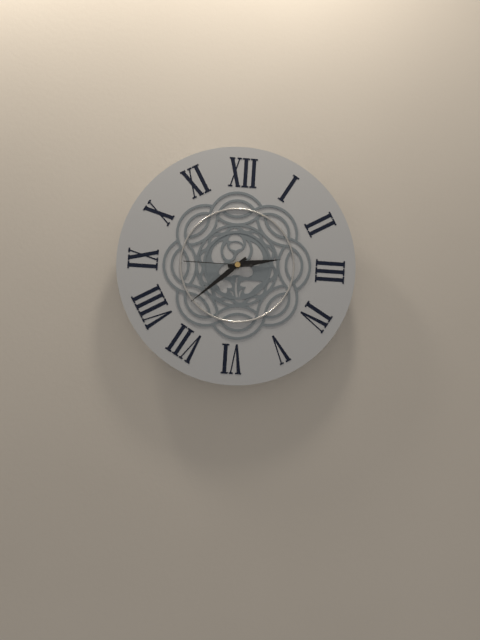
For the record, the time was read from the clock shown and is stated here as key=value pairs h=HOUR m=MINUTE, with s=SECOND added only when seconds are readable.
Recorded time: h=2 m=38 s=45
